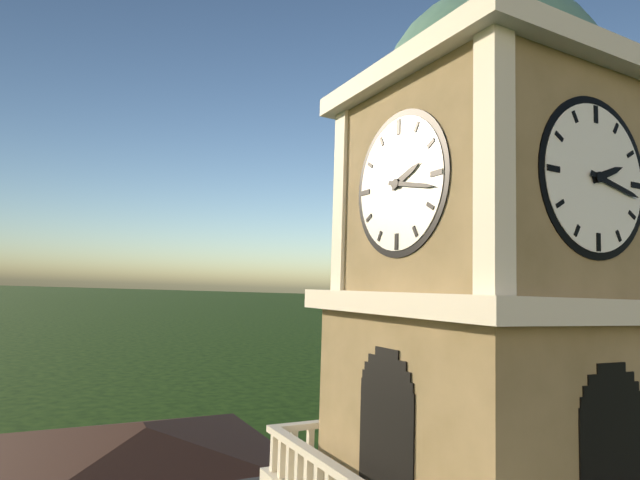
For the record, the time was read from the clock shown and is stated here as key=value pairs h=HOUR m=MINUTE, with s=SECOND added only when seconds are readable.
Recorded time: h=2 m=17
